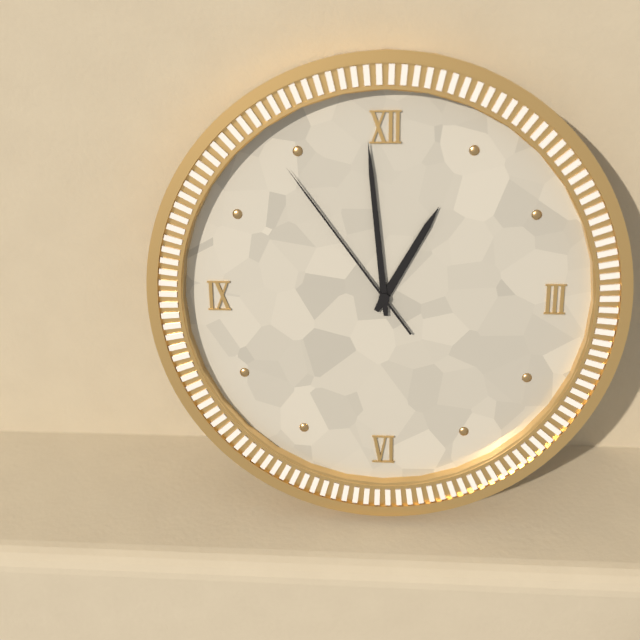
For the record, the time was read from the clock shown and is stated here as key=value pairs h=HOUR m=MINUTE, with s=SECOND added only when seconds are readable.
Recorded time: h=12 m=59 s=54
